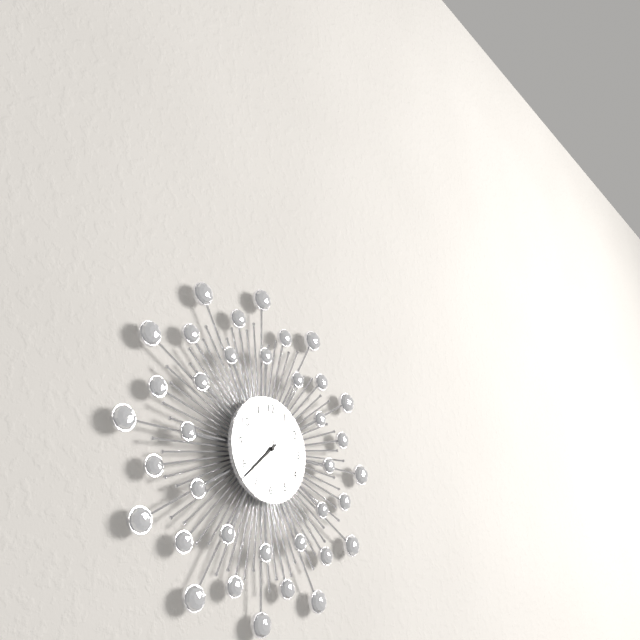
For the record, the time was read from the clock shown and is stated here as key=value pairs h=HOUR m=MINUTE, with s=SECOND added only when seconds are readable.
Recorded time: h=7 m=38 s=32
